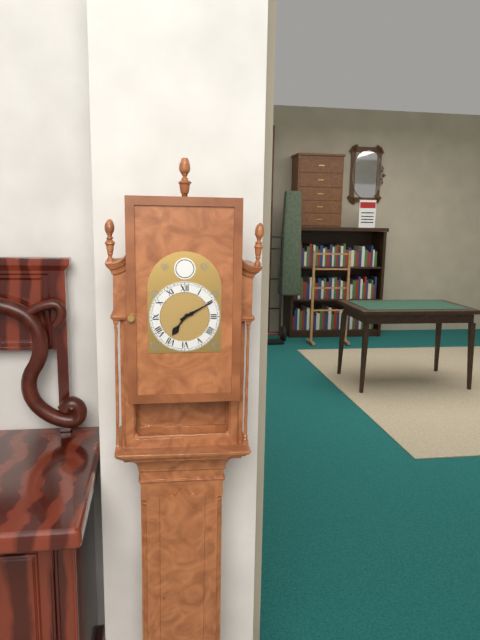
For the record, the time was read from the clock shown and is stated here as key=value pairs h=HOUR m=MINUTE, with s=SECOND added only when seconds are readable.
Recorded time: h=7 m=10
